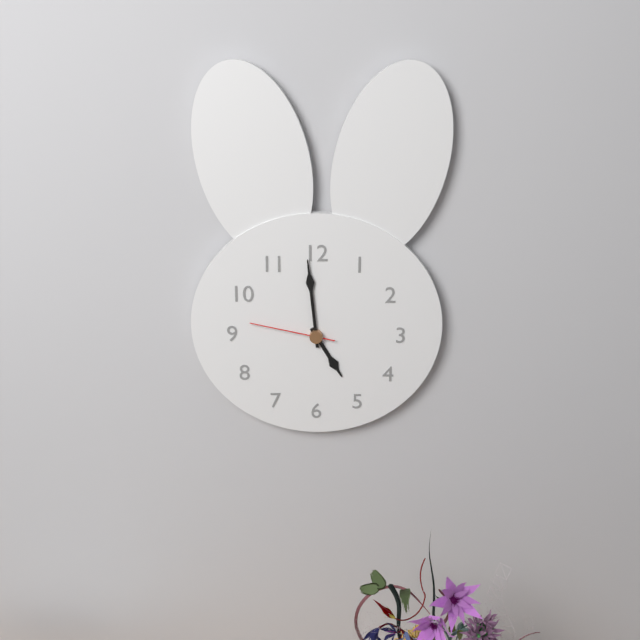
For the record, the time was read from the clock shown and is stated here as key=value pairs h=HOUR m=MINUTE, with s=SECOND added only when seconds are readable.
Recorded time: h=4 m=59 s=47
